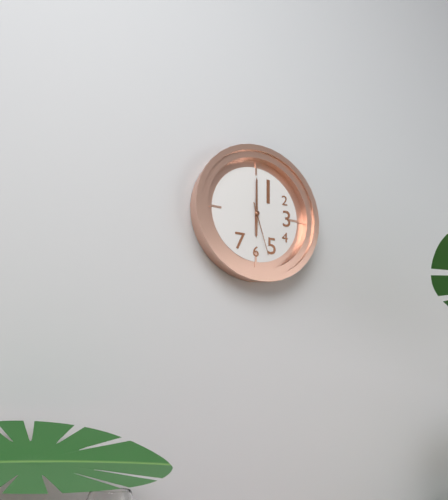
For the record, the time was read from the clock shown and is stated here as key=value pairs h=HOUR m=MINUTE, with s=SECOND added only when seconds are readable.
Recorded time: h=6 m=0 s=27
